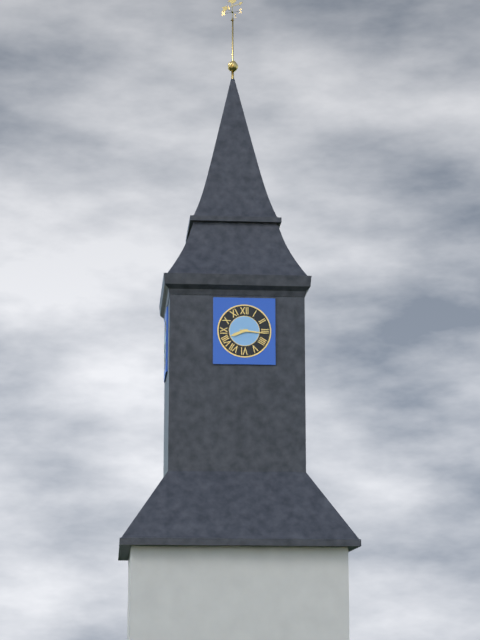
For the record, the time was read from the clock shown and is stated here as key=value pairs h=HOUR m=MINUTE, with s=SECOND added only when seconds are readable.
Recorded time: h=8 m=16
